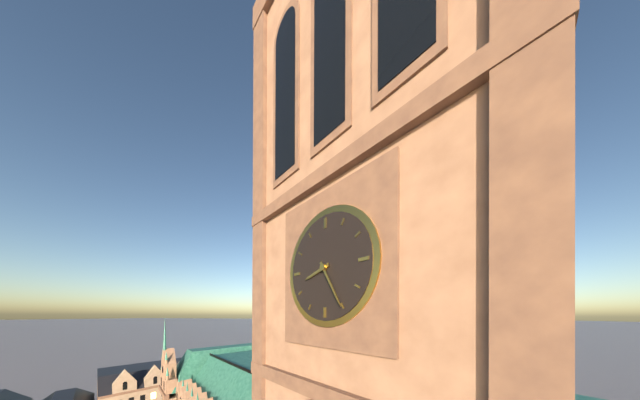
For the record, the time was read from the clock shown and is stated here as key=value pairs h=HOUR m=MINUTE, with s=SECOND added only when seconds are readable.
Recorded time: h=8 m=25
